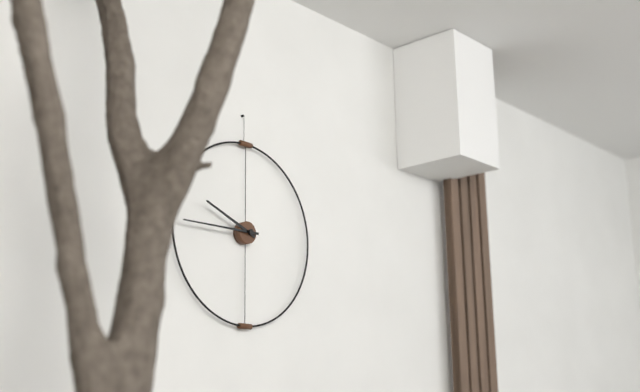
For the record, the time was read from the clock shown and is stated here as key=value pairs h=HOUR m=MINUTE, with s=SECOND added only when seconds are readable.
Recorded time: h=9 m=45
